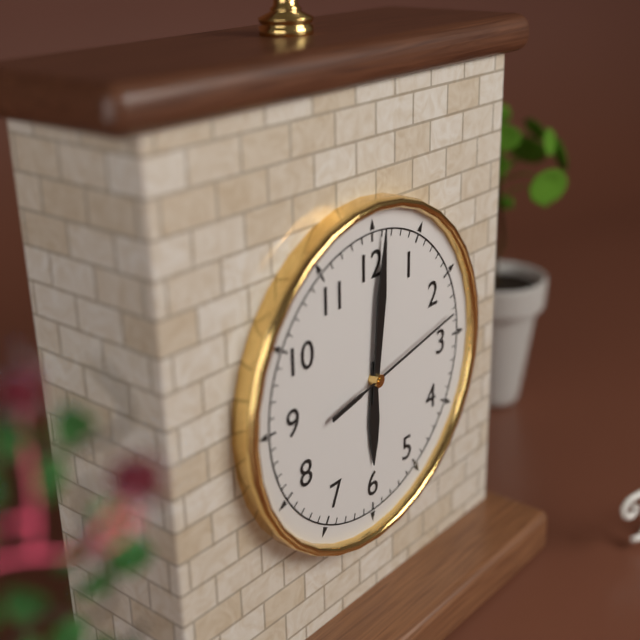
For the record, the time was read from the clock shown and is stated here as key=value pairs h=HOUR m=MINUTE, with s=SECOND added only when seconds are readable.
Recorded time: h=6 m=1 s=13
